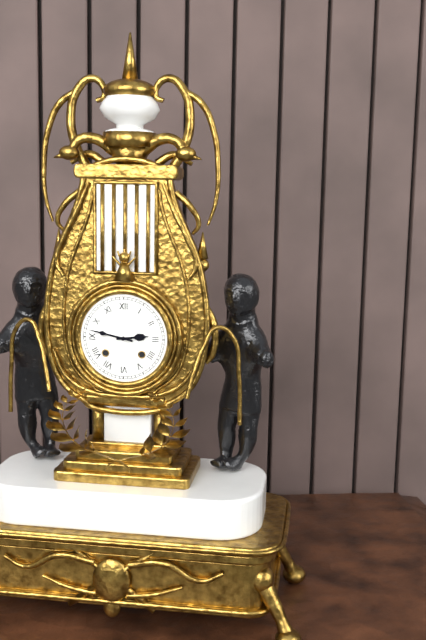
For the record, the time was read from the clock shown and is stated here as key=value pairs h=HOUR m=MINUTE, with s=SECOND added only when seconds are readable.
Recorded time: h=2 m=47
